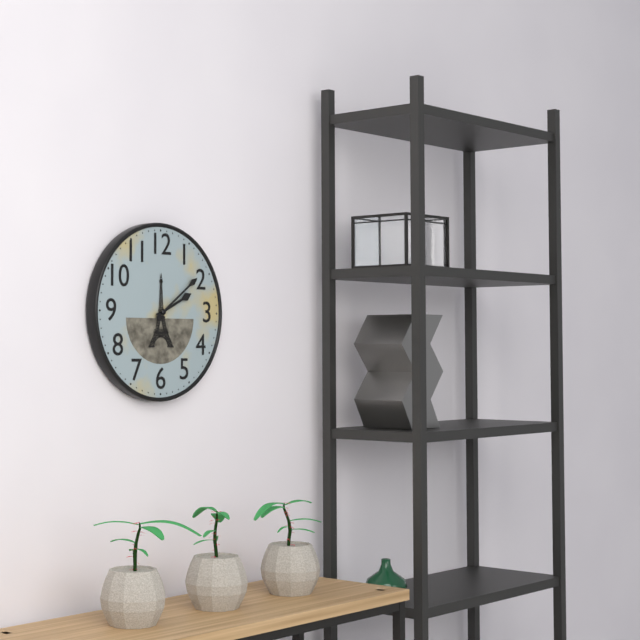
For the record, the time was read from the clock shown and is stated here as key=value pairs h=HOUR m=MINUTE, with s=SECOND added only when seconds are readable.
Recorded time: h=2 m=9
